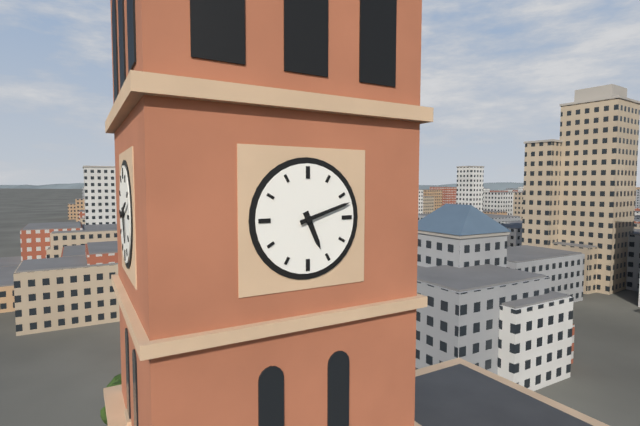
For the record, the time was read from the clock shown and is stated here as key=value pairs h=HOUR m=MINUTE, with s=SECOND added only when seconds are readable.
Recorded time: h=5 m=12
